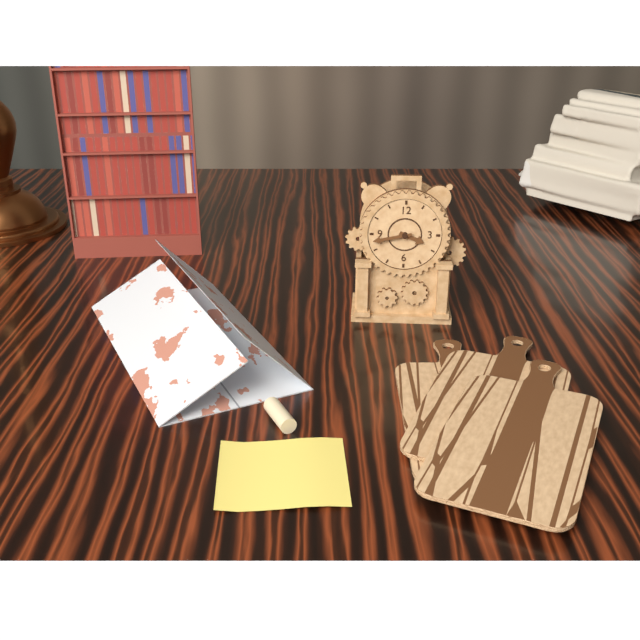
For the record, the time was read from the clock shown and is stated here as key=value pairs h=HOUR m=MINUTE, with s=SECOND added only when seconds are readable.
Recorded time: h=3 m=43
